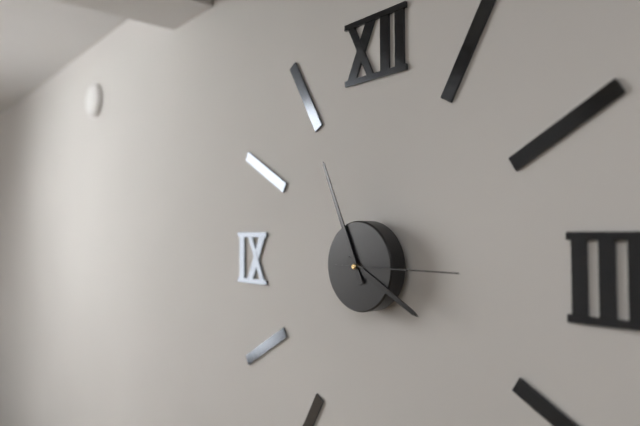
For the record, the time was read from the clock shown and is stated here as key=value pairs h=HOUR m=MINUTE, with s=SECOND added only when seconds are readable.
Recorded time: h=3 m=56 s=15
